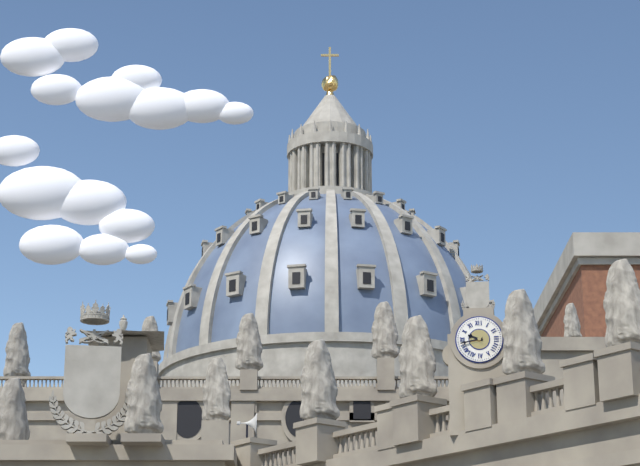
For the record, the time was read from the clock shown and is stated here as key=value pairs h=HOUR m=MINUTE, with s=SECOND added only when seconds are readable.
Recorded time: h=9 m=43
